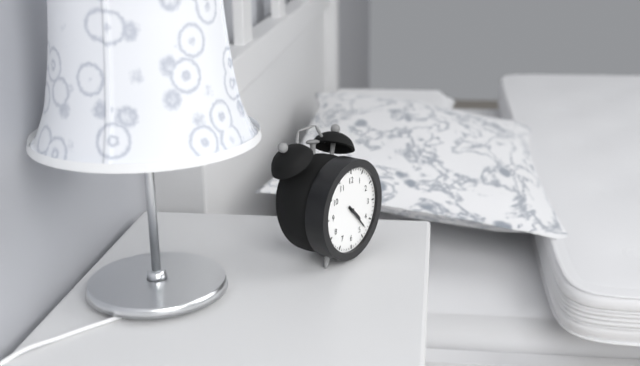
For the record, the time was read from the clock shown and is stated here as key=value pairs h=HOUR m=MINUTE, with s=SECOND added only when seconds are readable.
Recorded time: h=4 m=23
